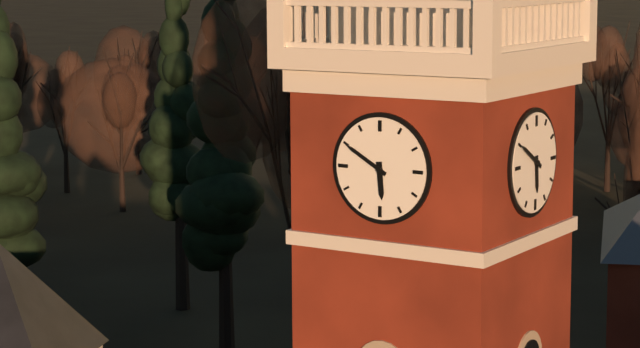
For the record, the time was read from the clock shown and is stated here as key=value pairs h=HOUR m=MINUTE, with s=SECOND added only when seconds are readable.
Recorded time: h=5 m=50
